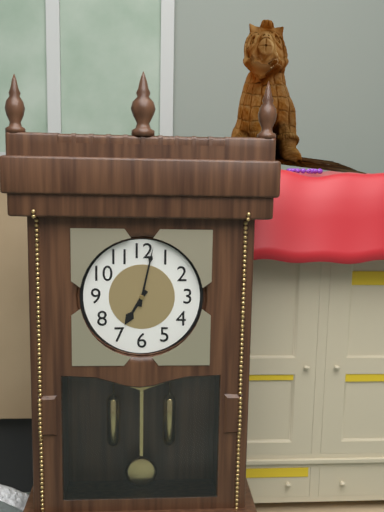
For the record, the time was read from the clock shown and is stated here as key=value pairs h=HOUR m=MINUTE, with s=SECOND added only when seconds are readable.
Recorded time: h=7 m=2
